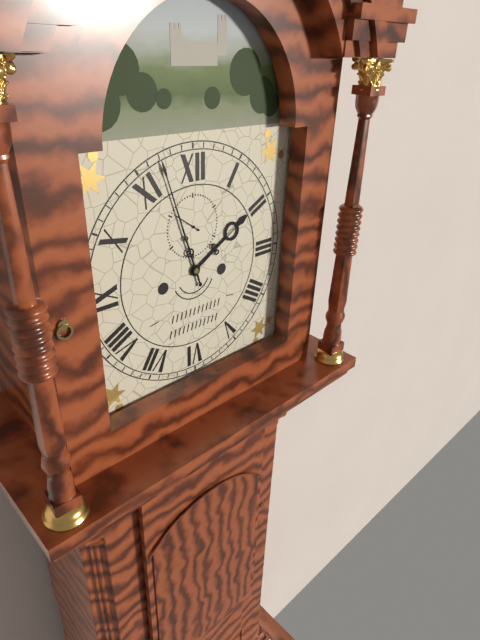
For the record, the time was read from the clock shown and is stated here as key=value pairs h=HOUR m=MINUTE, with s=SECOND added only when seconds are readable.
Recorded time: h=1 m=57
